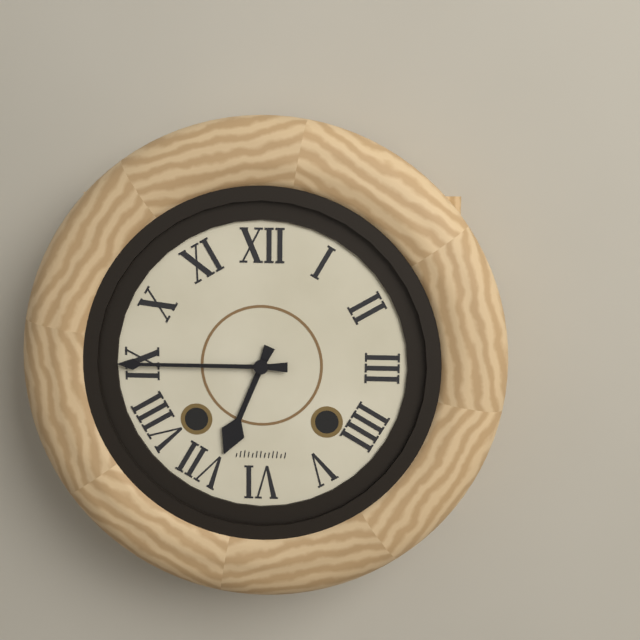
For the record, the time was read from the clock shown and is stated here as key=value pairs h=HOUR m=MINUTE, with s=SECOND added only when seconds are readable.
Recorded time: h=6 m=45
